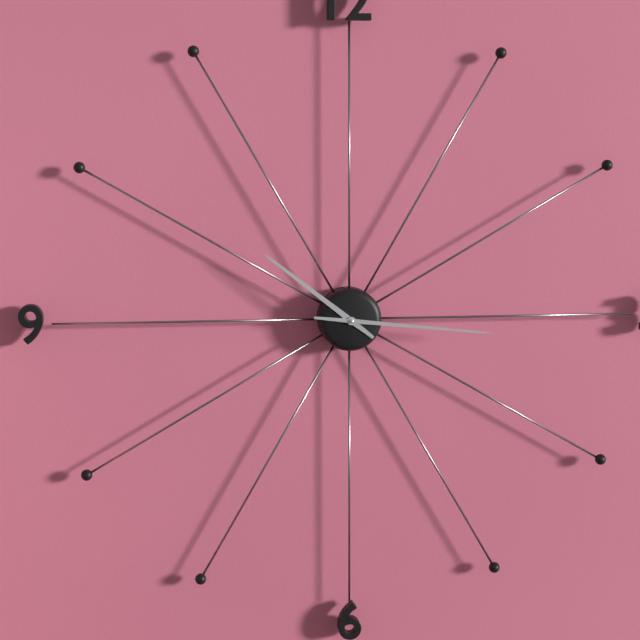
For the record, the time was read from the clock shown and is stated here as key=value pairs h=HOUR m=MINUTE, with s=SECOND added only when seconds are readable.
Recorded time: h=10 m=16
